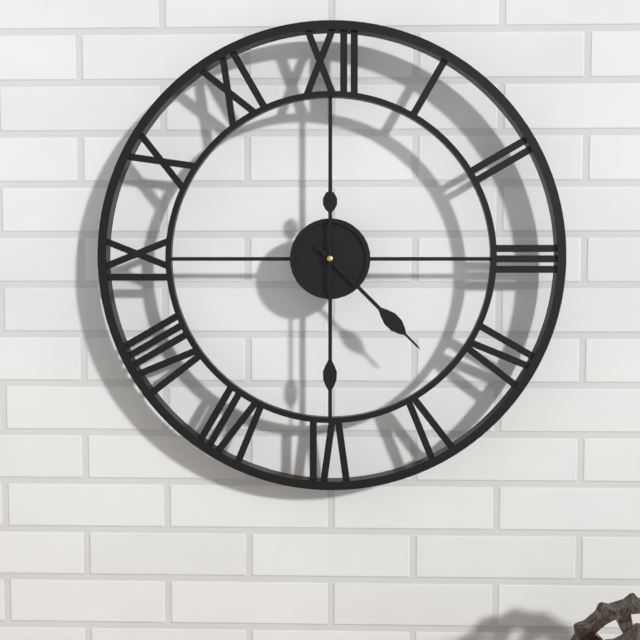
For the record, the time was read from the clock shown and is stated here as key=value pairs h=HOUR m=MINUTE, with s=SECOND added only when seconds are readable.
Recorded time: h=4 m=30
